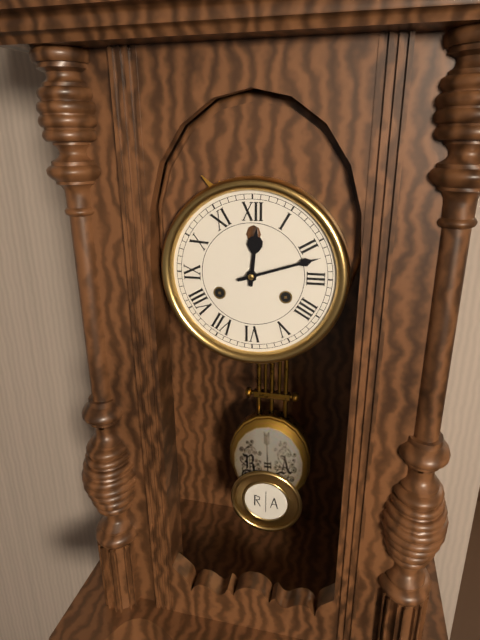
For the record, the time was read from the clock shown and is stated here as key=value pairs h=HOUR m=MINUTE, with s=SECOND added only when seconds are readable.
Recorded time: h=12 m=12
